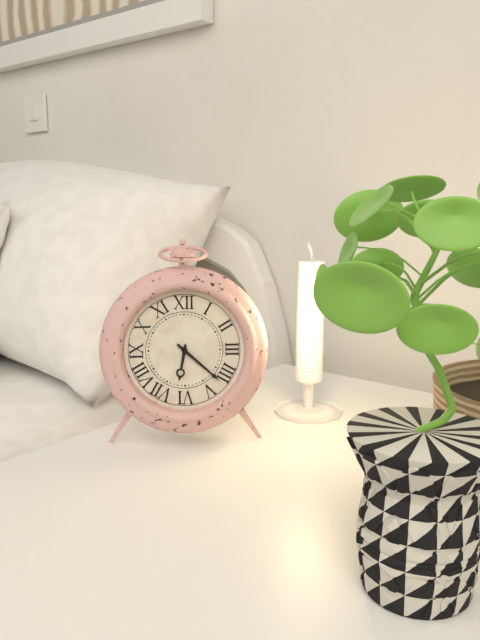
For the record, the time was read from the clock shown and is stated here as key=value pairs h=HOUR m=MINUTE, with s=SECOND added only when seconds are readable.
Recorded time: h=6 m=22
